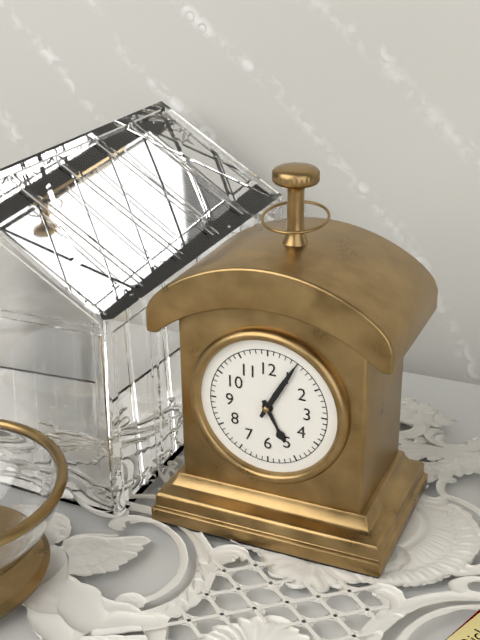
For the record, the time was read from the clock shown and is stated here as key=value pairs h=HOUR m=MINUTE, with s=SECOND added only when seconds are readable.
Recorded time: h=5 m=5
